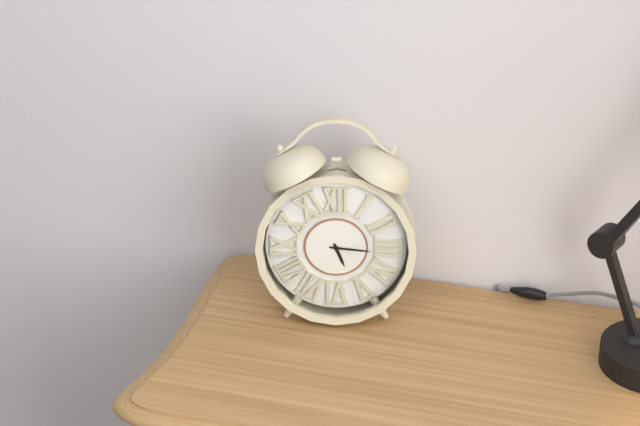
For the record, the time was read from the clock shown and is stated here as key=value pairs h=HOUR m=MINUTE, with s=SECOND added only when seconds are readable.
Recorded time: h=5 m=16
